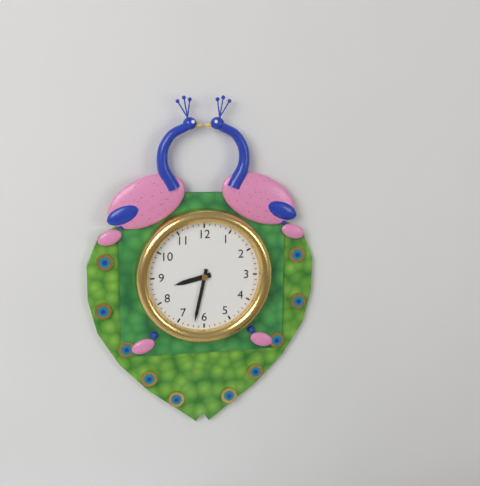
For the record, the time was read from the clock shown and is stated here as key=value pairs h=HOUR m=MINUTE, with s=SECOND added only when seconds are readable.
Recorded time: h=8 m=32
